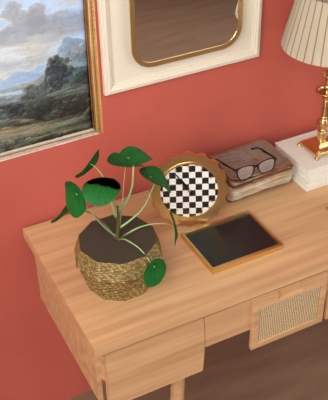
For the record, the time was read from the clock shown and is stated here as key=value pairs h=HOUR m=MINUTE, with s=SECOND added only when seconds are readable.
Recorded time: h=10 m=54
